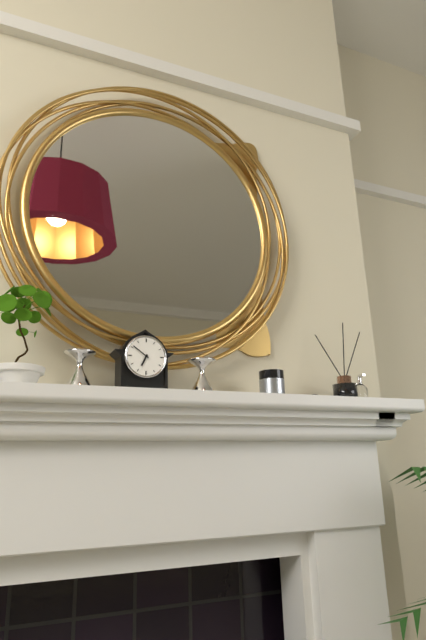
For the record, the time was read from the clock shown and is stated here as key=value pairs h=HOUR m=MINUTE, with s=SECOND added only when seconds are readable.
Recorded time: h=6 m=51
